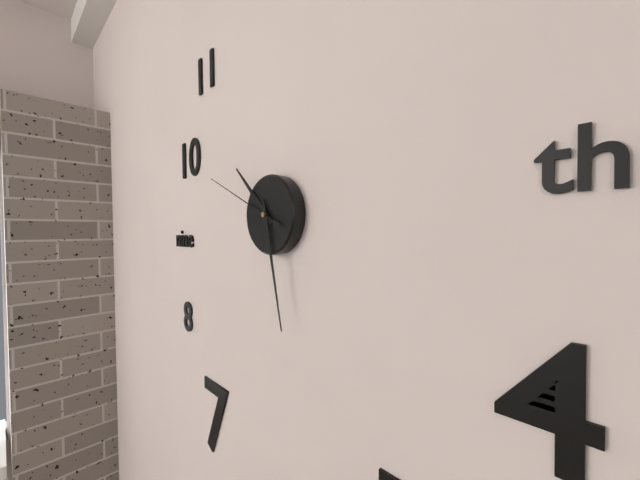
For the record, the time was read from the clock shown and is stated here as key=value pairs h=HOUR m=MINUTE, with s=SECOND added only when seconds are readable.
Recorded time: h=10 m=28 s=49
